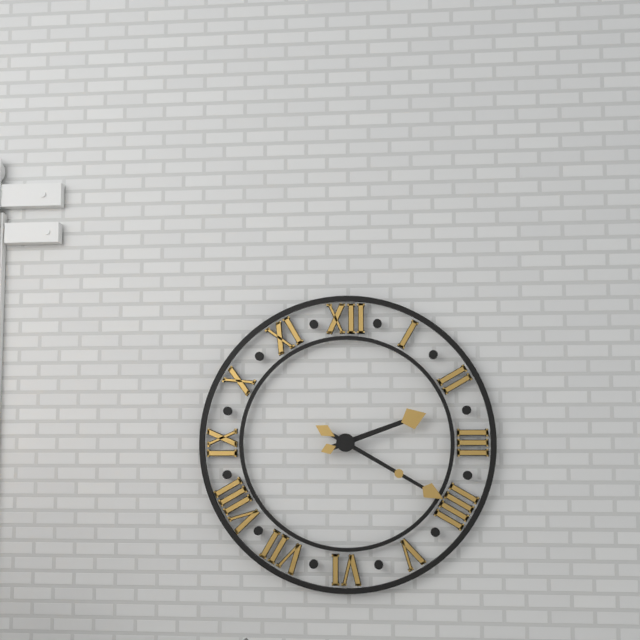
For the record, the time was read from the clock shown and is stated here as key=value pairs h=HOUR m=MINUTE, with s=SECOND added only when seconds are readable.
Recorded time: h=2 m=20
